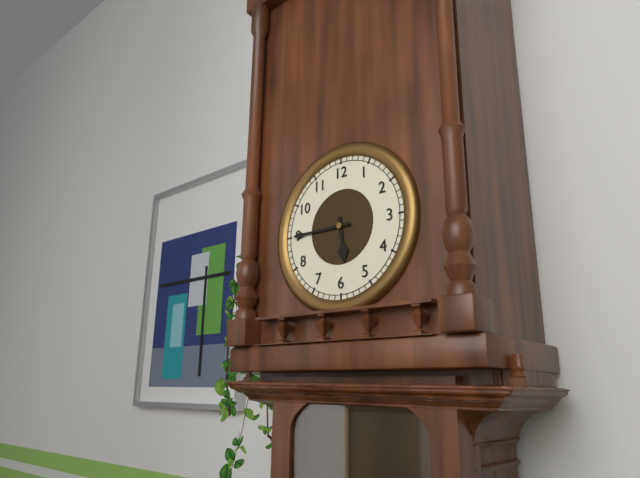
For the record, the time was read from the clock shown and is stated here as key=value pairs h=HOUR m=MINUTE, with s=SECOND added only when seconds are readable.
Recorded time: h=5 m=45
